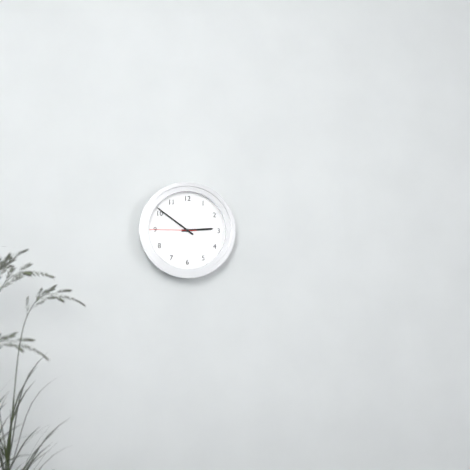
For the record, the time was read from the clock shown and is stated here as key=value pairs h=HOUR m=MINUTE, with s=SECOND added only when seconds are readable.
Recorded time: h=2 m=51 s=45
